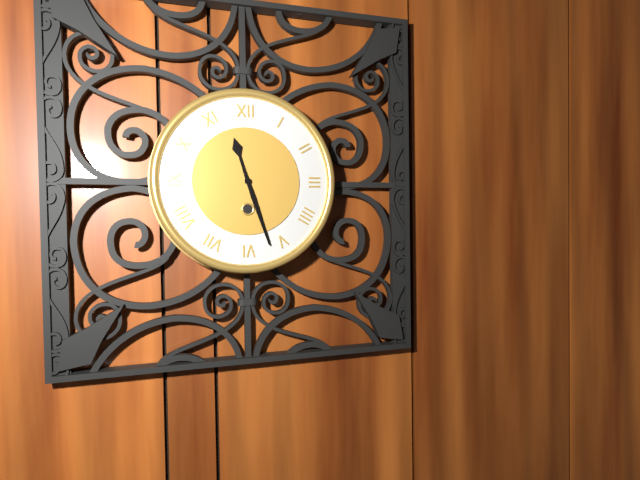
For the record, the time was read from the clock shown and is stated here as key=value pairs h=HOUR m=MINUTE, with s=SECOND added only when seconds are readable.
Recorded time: h=11 m=27
